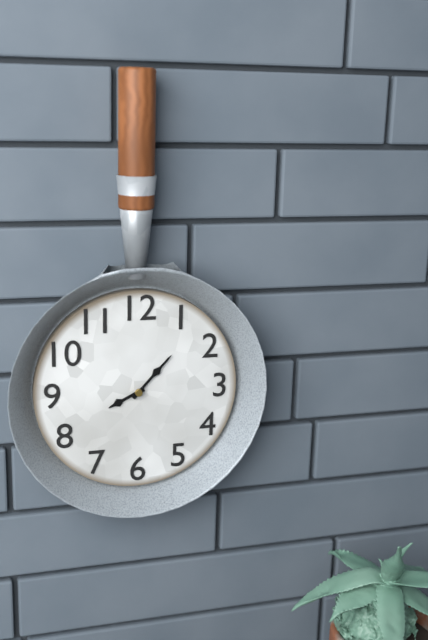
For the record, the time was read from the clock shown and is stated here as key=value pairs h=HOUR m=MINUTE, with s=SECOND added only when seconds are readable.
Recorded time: h=8 m=7
